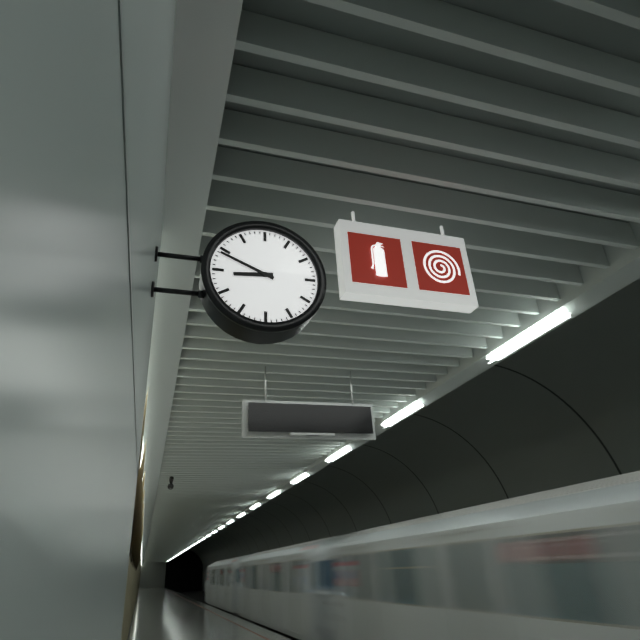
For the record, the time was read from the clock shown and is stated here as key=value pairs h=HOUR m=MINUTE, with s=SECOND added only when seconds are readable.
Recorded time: h=8 m=49
